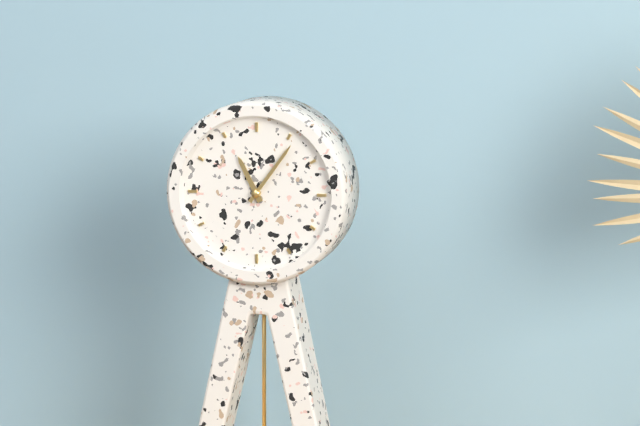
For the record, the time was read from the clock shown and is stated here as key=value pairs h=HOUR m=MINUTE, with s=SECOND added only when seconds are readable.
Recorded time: h=11 m=6
